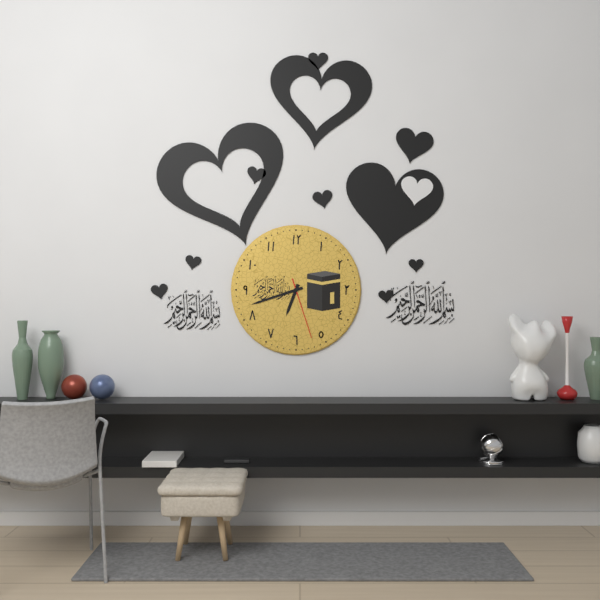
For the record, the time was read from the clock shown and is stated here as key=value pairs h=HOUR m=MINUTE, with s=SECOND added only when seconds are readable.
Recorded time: h=6 m=42 s=27
